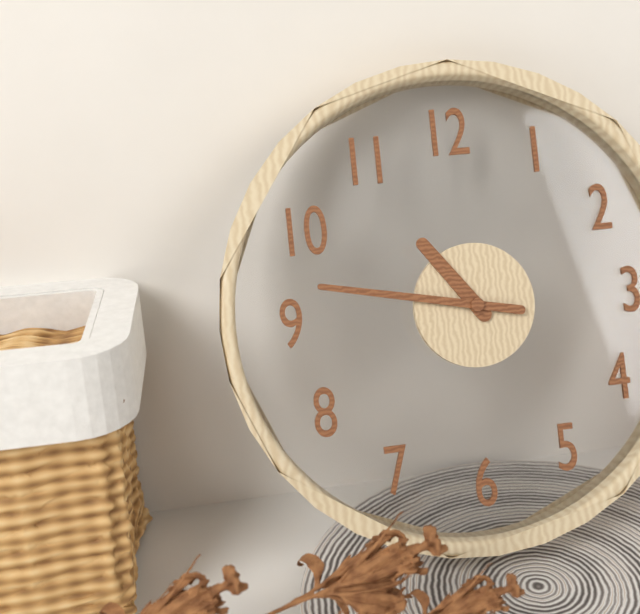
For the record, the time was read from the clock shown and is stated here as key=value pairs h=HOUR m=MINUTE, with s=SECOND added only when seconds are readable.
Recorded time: h=10 m=47
